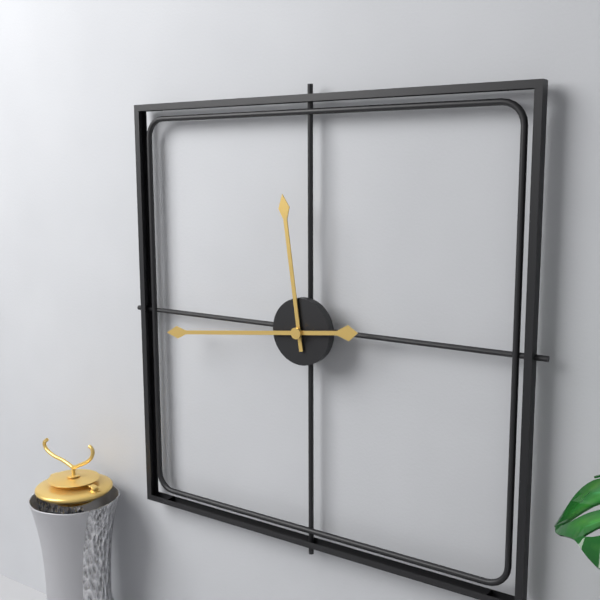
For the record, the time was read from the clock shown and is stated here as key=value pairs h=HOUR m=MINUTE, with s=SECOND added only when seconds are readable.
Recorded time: h=11 m=44
